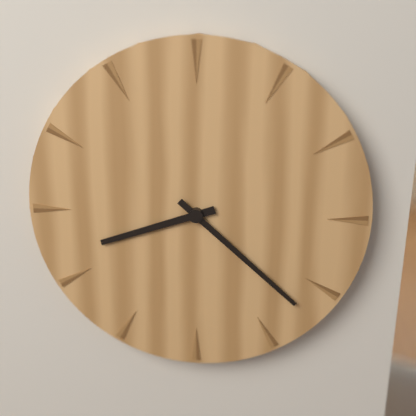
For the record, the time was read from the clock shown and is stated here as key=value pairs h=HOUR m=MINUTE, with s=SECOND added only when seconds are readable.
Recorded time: h=8 m=22
